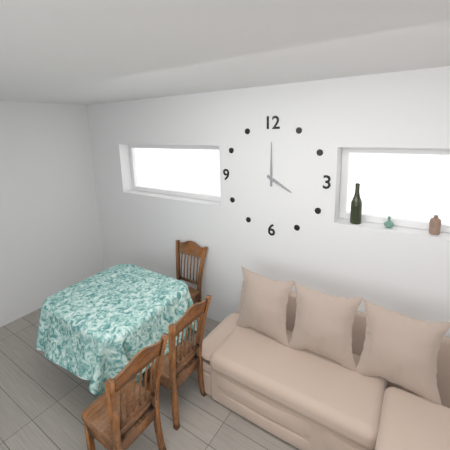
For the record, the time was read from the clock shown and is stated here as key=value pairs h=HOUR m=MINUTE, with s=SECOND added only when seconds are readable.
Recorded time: h=4 m=0
